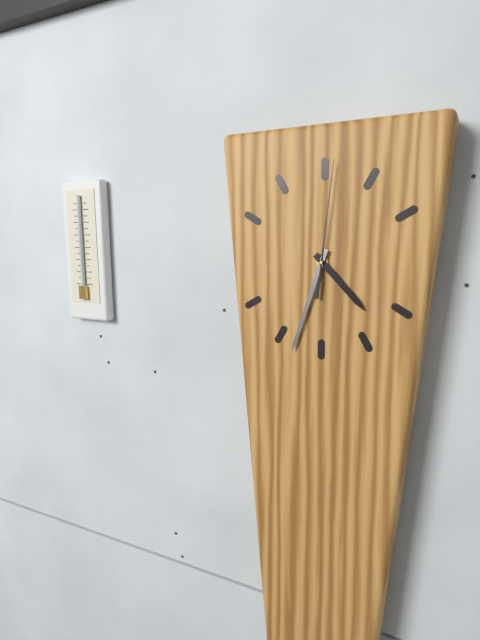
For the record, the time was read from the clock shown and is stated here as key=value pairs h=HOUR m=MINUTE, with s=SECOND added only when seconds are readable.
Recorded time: h=4 m=33 s=1
